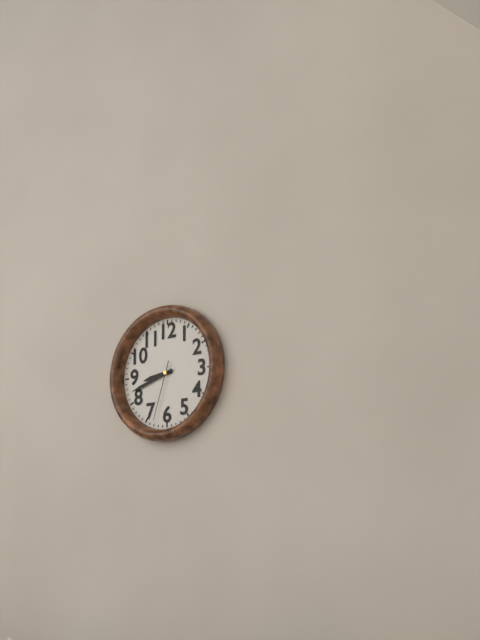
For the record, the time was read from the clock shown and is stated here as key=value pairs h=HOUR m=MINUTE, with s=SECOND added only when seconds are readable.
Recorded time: h=8 m=42 s=33
